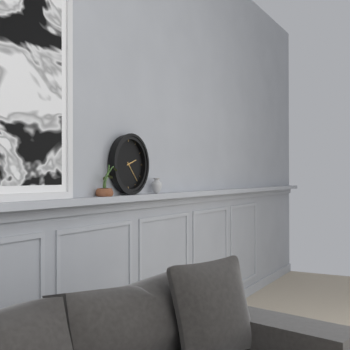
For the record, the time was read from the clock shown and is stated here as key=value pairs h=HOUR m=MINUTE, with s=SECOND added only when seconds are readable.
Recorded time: h=2 m=23
